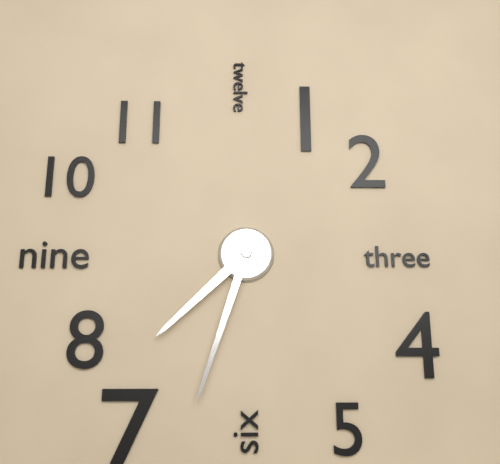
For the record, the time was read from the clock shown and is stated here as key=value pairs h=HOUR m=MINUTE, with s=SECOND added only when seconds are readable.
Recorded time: h=7 m=33
